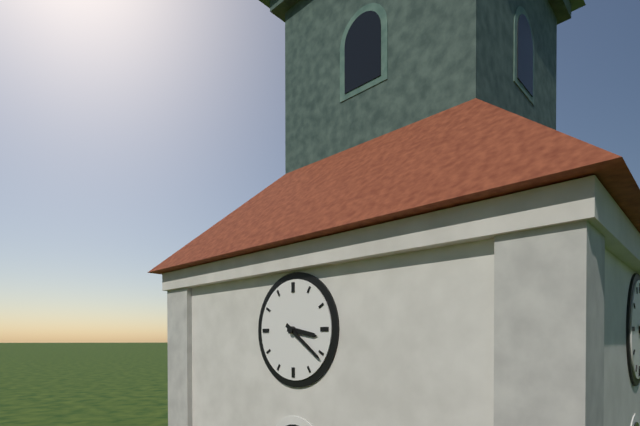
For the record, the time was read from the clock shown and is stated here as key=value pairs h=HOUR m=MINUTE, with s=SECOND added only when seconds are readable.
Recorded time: h=3 m=21
